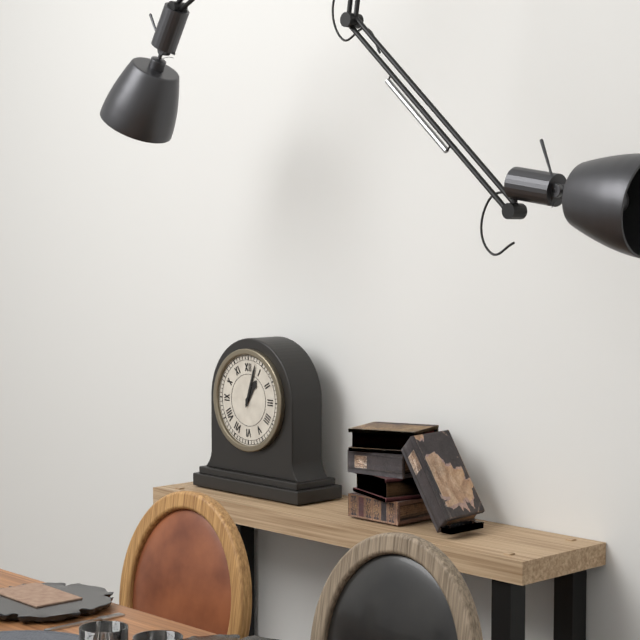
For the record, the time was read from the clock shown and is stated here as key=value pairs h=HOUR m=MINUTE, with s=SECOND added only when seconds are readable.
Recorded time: h=1 m=3
